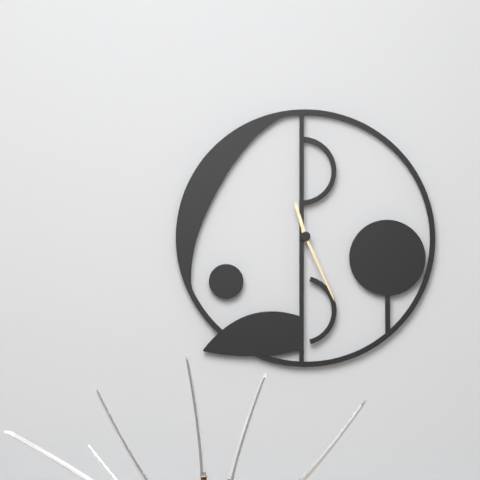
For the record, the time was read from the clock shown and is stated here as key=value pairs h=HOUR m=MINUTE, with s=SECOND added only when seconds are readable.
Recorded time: h=11 m=26
